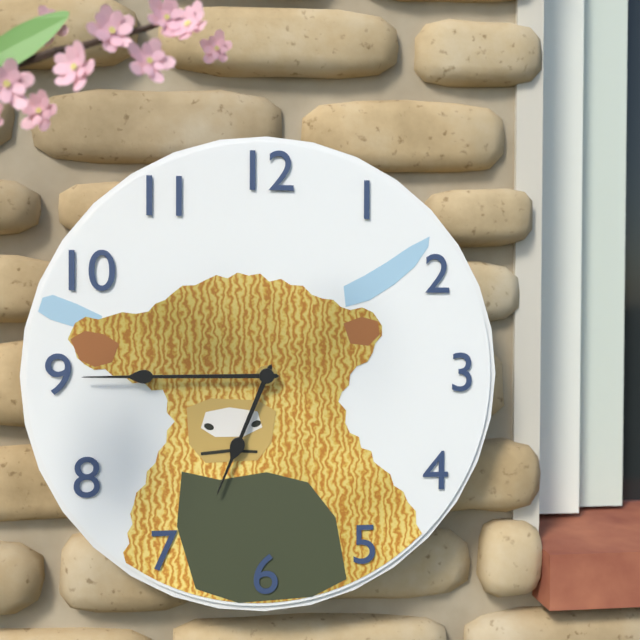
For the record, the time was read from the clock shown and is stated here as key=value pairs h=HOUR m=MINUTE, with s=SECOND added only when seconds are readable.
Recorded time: h=6 m=45
